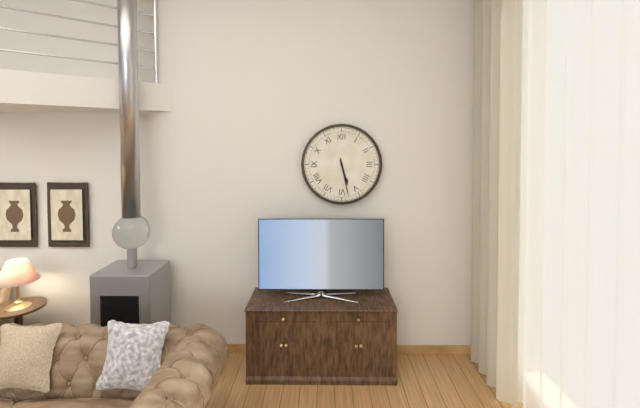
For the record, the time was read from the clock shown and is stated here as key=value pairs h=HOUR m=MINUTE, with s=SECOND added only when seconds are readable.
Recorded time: h=5 m=28
